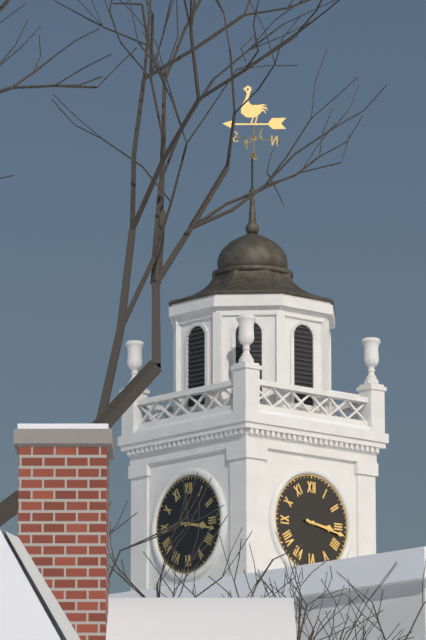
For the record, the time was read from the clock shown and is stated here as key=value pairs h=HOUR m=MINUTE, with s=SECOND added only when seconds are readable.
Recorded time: h=3 m=17
